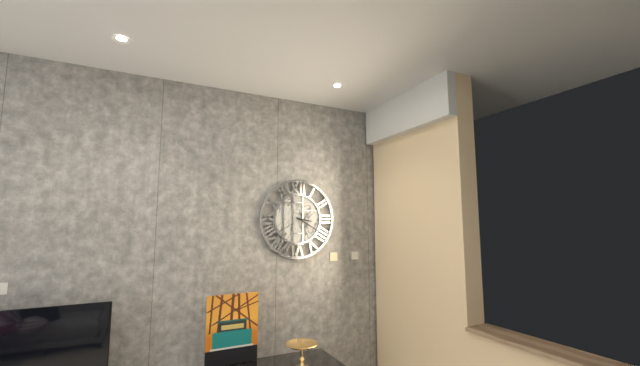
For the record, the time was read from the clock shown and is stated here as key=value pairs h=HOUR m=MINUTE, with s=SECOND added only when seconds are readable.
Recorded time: h=3 m=20
